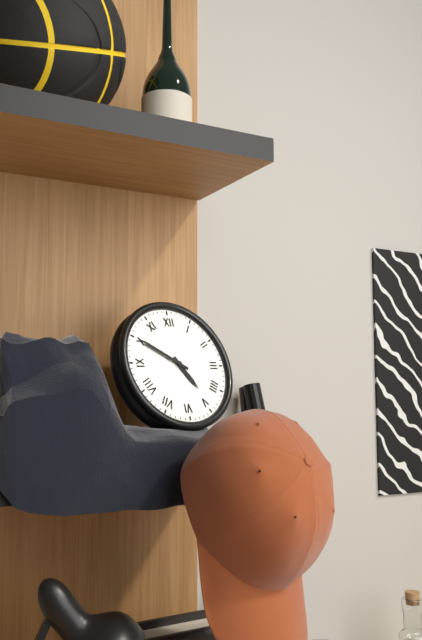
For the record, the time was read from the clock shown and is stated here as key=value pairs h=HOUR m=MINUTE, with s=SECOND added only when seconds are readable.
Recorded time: h=4 m=50
